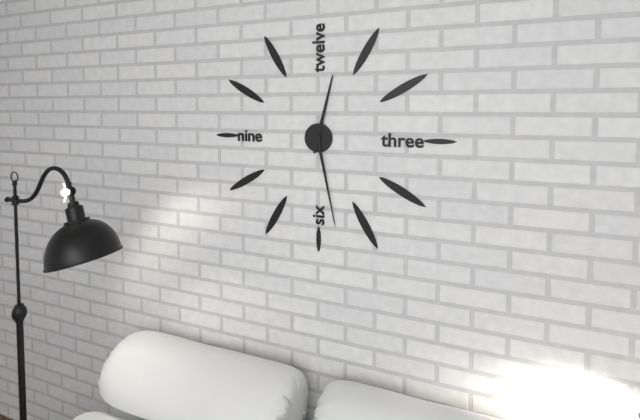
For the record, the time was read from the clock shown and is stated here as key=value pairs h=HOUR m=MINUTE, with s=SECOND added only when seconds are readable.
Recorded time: h=12 m=28
